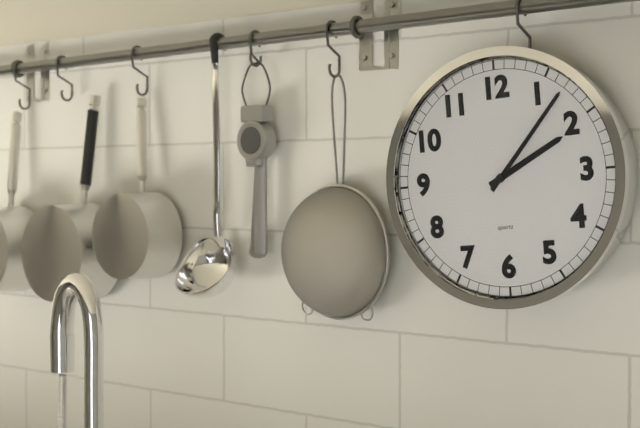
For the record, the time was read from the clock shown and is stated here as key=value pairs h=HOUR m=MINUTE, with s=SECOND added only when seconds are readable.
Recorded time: h=2 m=7
